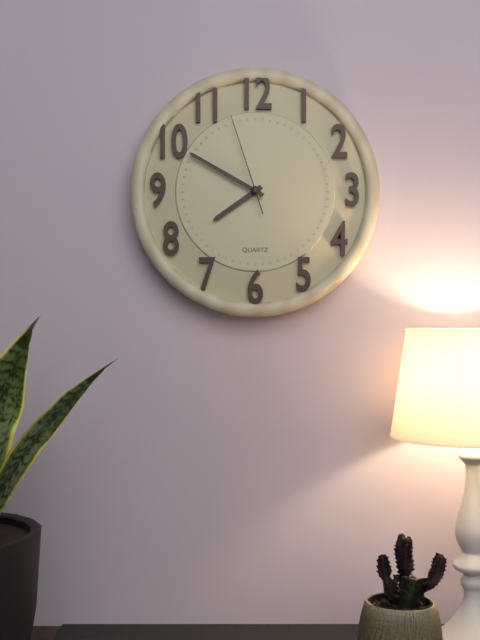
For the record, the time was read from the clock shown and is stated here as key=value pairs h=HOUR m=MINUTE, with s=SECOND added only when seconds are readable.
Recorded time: h=7 m=50 s=57
